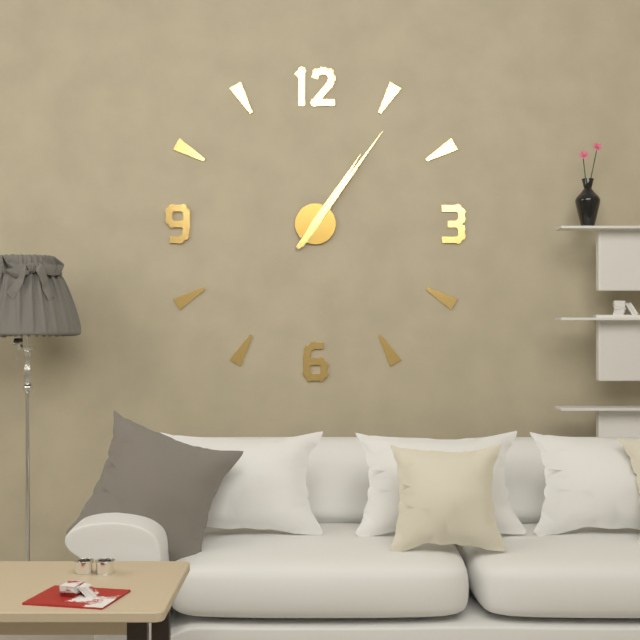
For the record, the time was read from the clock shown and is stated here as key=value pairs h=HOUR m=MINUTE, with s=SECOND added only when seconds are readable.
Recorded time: h=1 m=6
